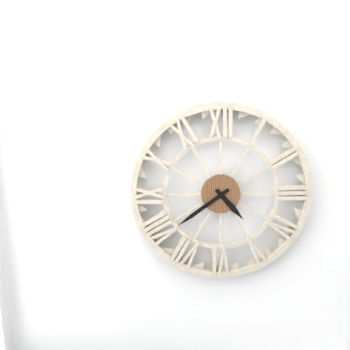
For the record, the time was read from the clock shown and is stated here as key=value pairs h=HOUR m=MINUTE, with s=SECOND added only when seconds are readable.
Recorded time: h=4 m=39
